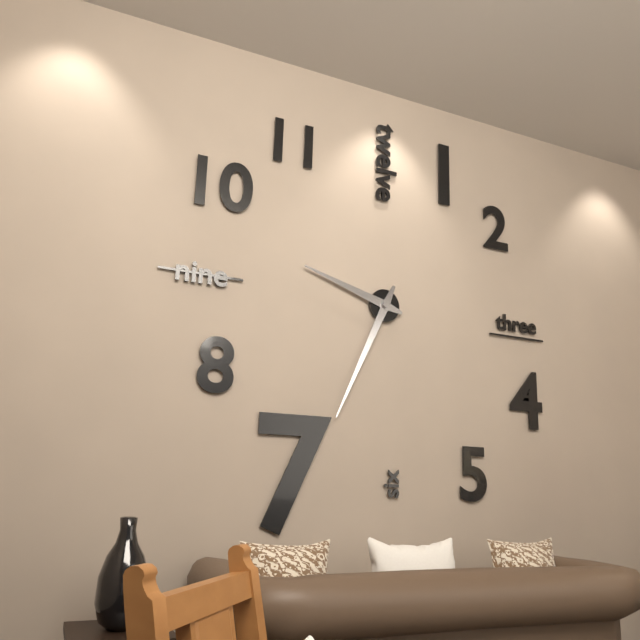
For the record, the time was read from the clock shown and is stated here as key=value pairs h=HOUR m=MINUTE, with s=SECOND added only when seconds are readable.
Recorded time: h=9 m=34
